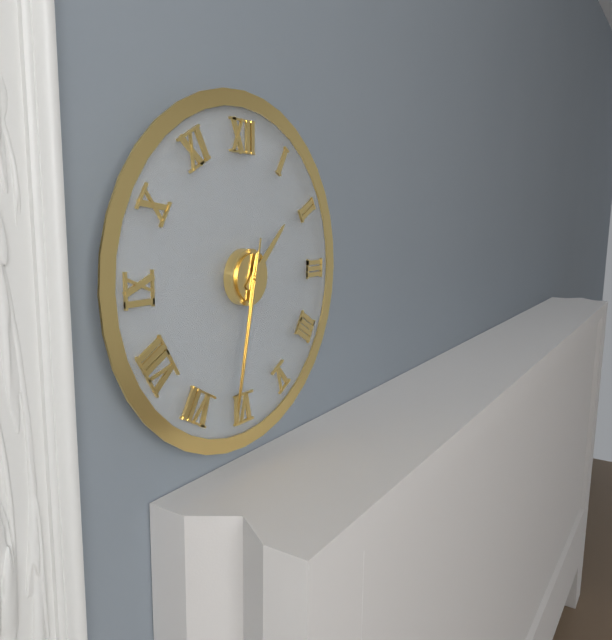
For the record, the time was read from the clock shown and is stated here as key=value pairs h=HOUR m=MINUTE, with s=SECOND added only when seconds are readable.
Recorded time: h=1 m=32 s=32
